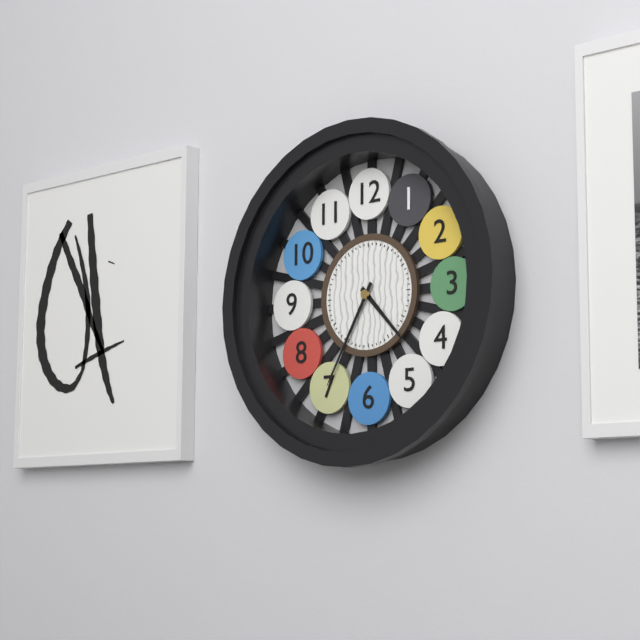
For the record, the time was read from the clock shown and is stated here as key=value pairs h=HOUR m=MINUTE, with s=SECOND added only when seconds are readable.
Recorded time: h=4 m=35
